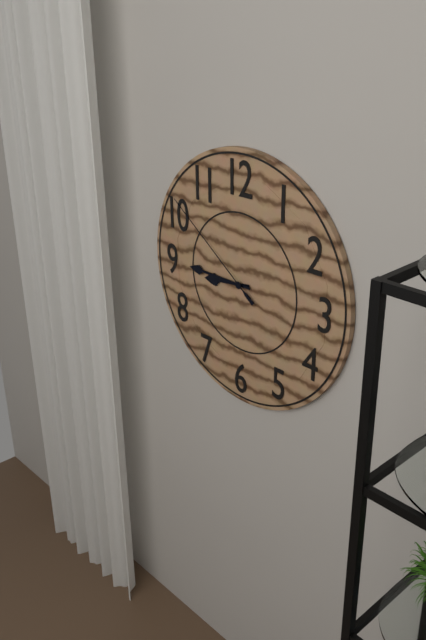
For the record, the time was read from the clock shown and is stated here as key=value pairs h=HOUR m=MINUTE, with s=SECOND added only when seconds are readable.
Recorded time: h=8 m=45 s=51
